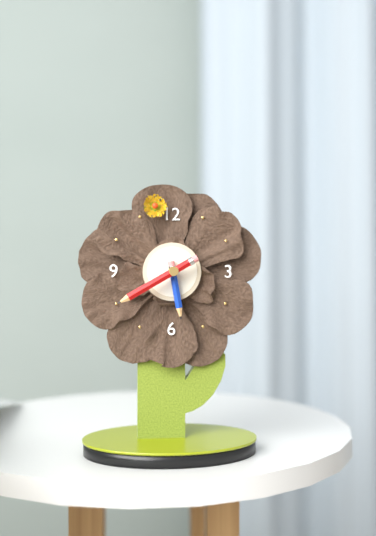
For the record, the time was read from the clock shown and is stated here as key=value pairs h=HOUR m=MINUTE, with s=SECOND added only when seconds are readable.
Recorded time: h=5 m=40
